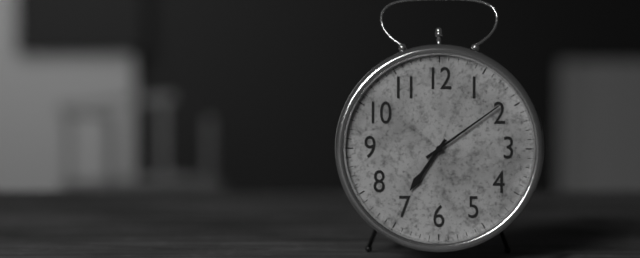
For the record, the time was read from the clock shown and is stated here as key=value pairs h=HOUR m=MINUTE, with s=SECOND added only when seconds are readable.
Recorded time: h=7 m=9
